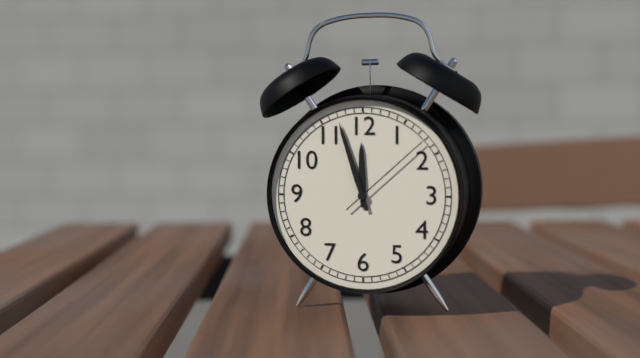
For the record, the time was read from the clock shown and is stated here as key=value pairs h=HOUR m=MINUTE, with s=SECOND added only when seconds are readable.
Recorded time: h=11 m=57 s=8
